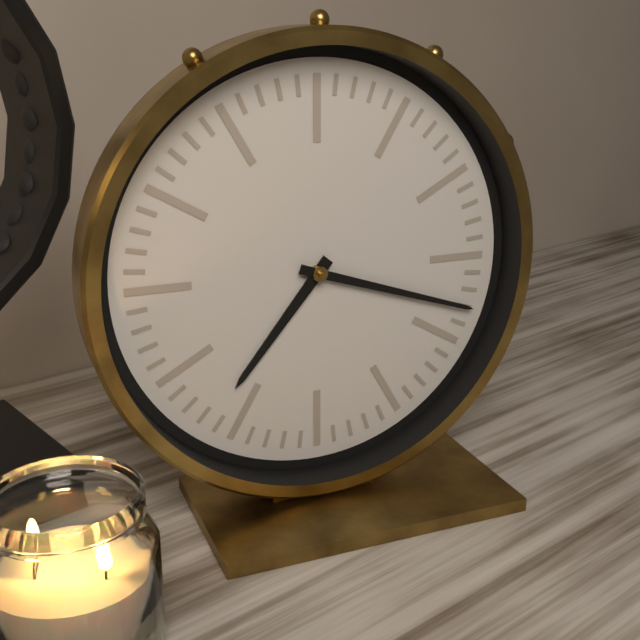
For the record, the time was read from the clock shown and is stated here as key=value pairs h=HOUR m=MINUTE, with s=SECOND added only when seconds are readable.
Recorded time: h=7 m=18
